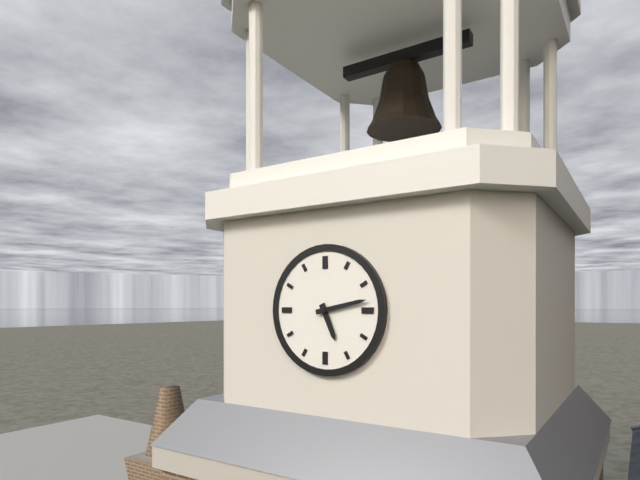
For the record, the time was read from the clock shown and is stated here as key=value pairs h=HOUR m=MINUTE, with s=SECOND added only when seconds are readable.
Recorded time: h=5 m=13
